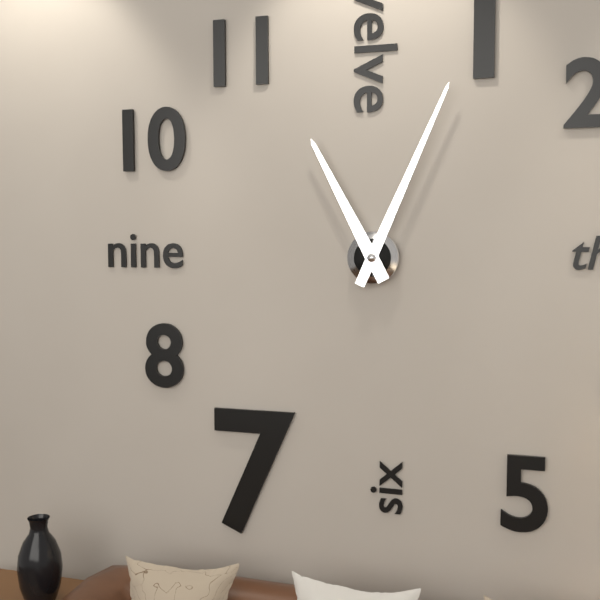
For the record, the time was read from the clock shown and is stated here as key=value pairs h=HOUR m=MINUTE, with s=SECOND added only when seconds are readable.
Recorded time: h=11 m=4
